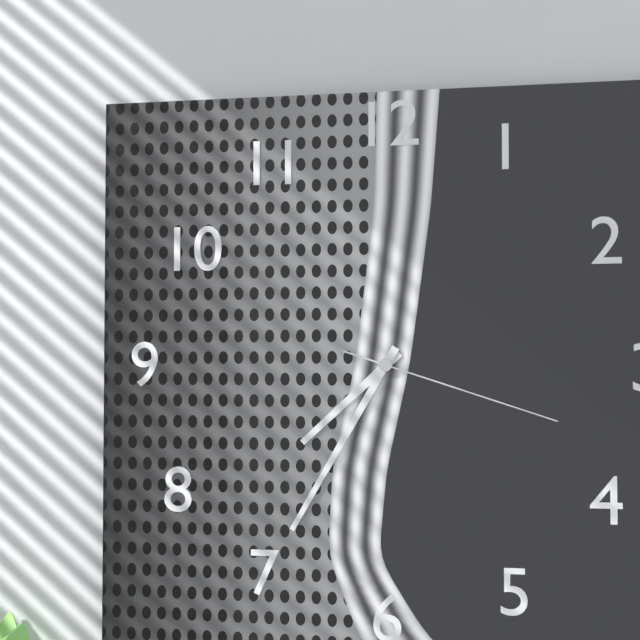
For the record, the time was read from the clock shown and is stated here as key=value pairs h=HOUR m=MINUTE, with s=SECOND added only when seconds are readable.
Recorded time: h=7 m=35 s=18
